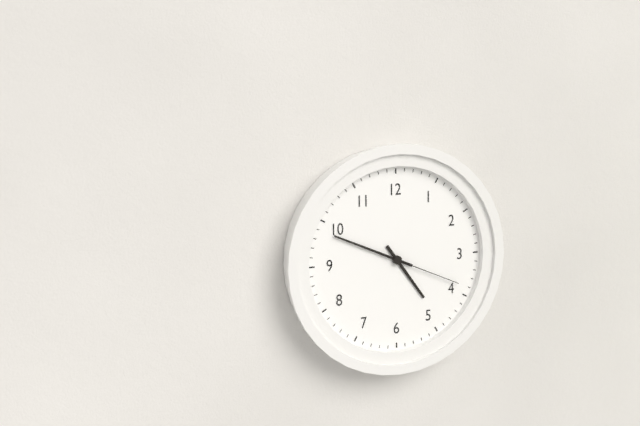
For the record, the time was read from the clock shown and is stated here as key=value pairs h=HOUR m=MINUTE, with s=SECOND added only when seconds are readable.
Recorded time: h=4 m=49 s=19
